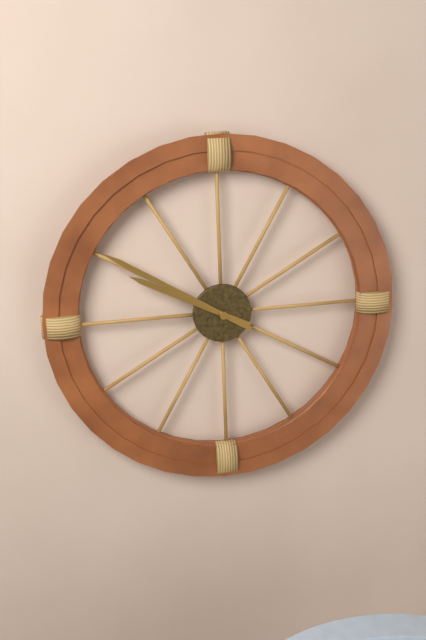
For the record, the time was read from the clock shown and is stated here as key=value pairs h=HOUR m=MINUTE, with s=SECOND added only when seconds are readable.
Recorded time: h=9 m=50
